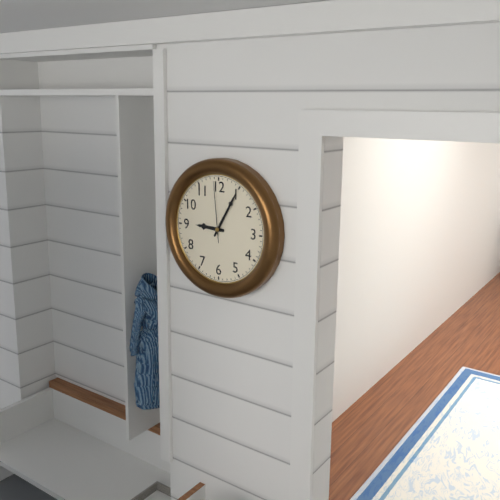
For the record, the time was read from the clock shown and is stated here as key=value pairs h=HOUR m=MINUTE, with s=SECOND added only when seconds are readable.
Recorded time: h=9 m=5 s=59
